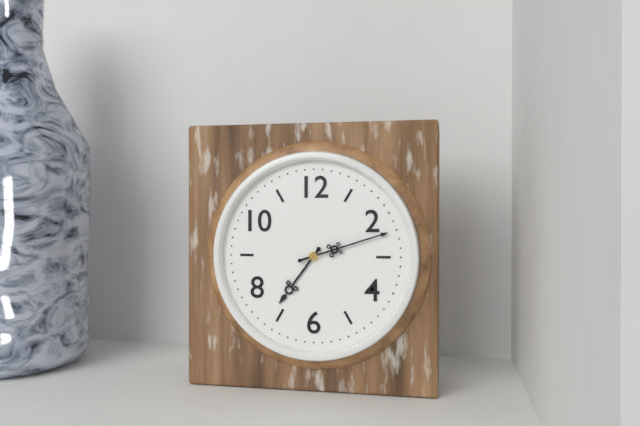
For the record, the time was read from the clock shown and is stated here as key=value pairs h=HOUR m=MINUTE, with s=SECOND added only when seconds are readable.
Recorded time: h=7 m=12
